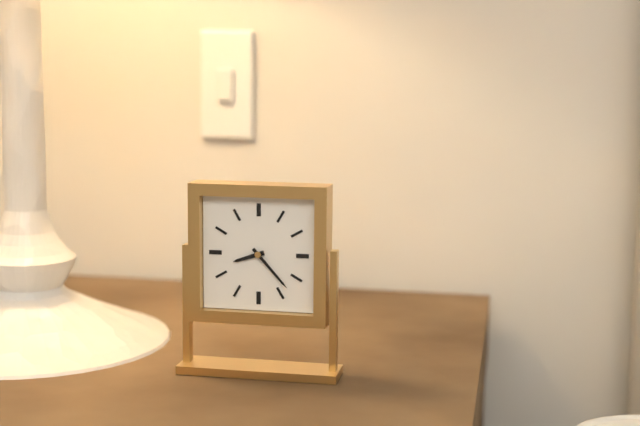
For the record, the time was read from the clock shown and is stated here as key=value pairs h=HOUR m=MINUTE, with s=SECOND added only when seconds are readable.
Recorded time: h=8 m=23
